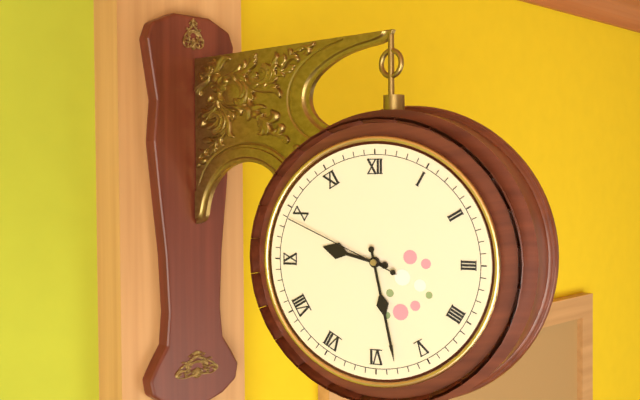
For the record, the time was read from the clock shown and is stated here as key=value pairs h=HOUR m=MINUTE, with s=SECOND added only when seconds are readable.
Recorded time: h=9 m=28 s=49
